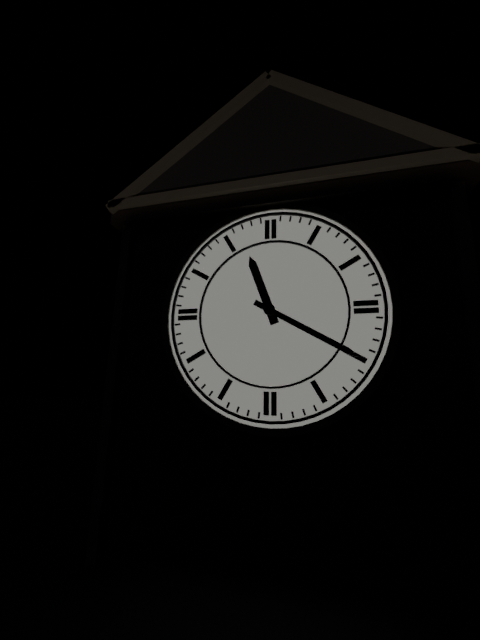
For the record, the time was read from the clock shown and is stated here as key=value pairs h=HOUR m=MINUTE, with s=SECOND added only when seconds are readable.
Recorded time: h=11 m=20
